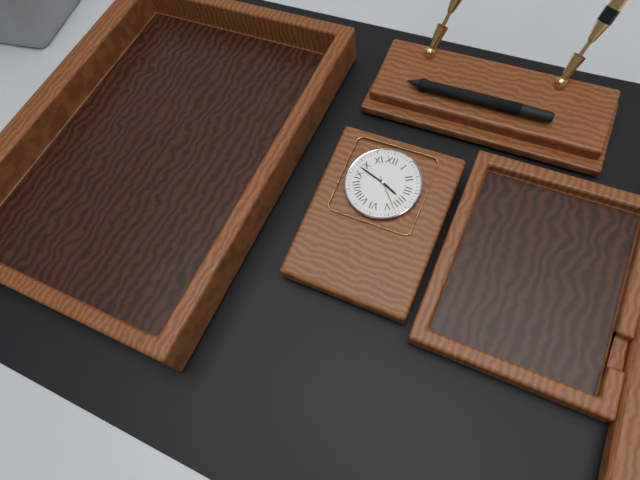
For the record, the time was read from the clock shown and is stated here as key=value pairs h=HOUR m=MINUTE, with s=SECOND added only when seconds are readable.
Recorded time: h=3 m=48
